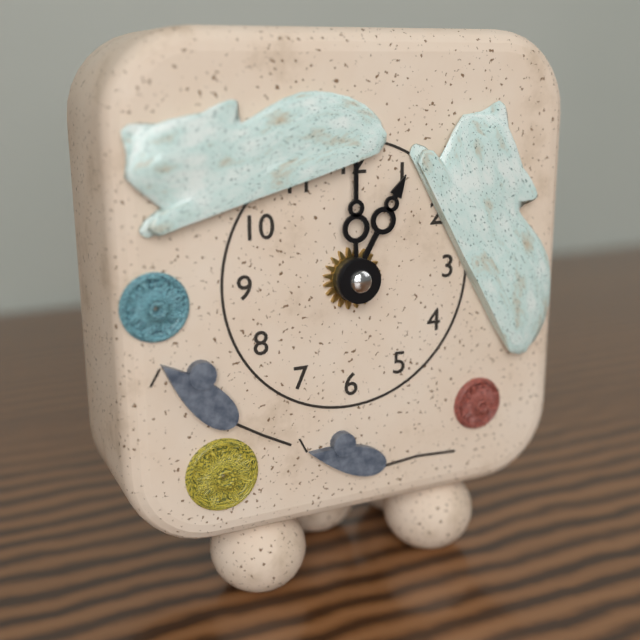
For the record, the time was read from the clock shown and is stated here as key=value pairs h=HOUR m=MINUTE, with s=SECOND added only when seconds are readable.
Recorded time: h=1 m=0
